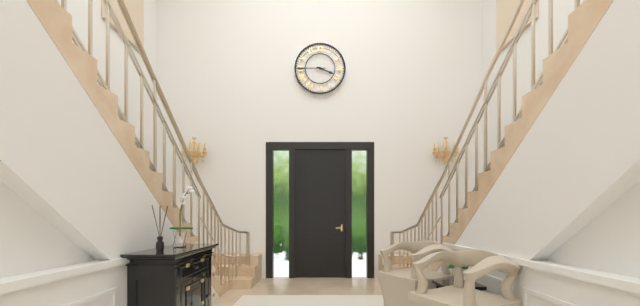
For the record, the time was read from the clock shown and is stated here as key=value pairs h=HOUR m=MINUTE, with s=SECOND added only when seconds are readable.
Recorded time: h=3 m=45
